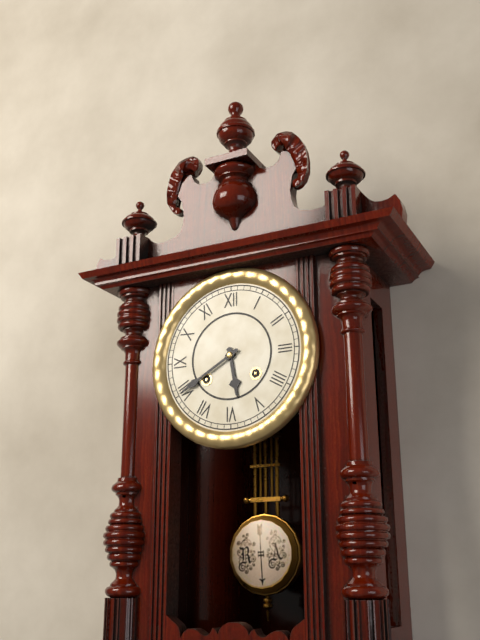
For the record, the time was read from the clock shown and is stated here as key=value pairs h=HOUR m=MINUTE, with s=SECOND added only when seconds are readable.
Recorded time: h=5 m=40
